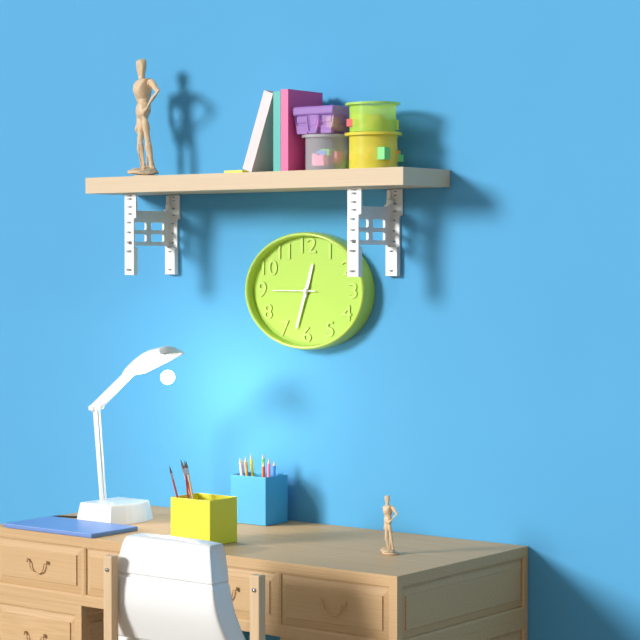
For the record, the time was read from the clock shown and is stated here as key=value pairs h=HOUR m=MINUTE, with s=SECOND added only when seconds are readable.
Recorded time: h=12 m=33
